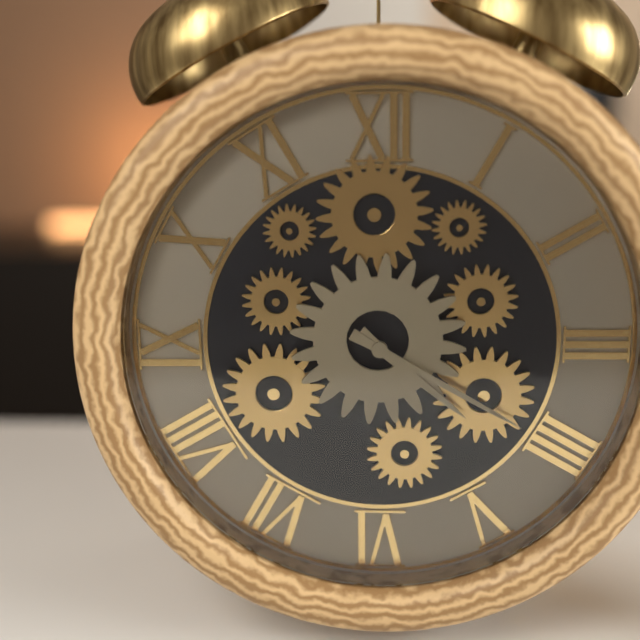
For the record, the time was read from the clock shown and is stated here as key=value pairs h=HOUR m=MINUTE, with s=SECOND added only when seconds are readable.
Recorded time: h=4 m=20
